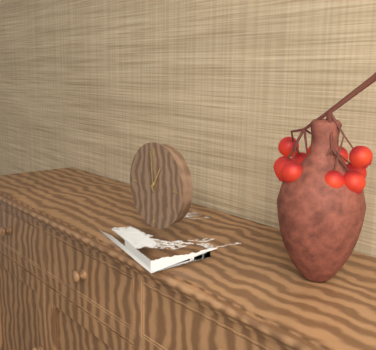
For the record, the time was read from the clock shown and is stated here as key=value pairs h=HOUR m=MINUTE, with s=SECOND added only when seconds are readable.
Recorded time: h=12 m=59
